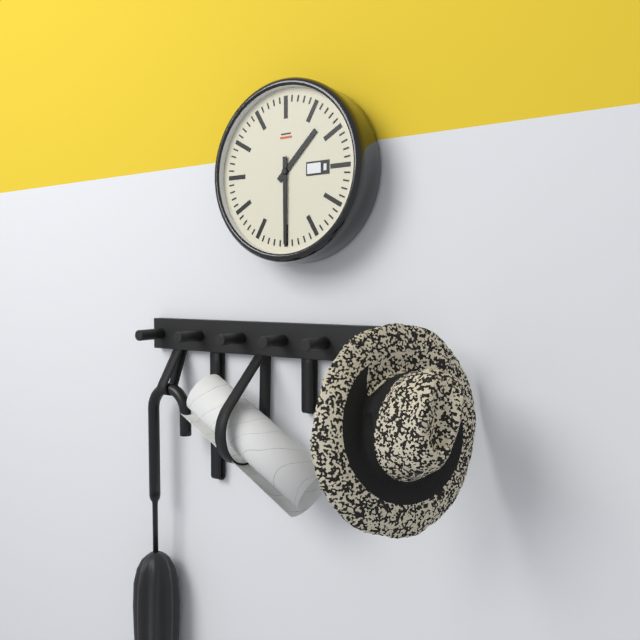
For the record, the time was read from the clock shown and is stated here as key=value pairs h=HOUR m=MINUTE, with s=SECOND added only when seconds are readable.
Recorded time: h=1 m=30
